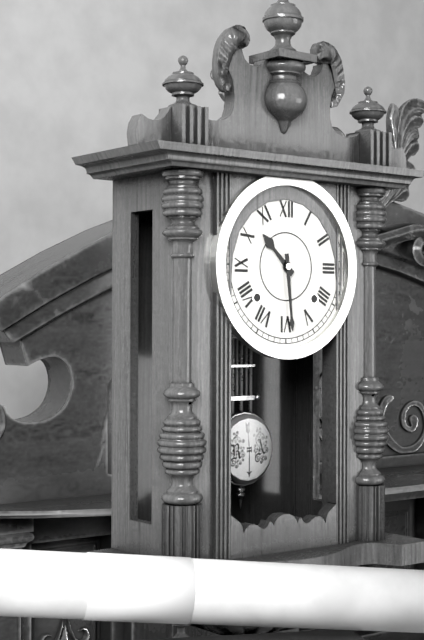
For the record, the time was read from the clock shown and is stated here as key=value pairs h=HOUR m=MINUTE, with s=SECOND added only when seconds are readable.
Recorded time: h=10 m=29
